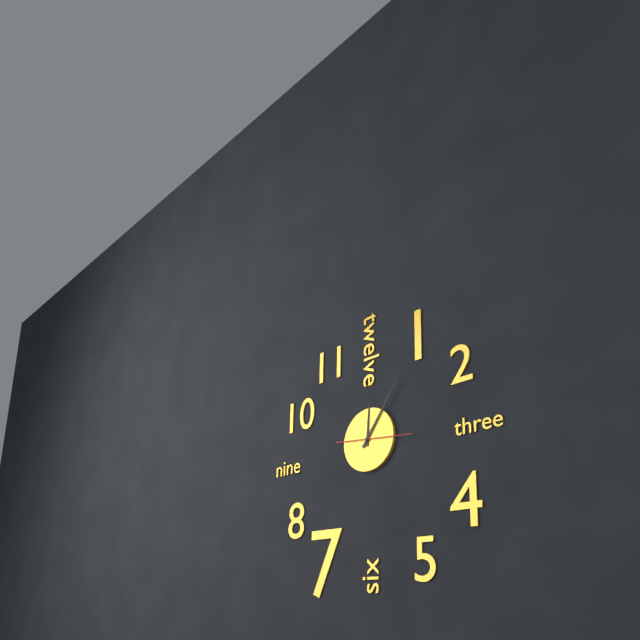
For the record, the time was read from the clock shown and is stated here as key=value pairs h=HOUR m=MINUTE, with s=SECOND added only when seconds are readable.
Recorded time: h=12 m=6 s=16
